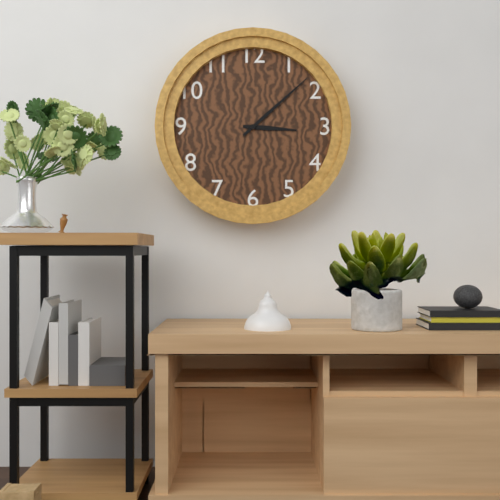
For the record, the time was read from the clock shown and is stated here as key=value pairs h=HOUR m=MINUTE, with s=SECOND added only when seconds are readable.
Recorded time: h=3 m=8
